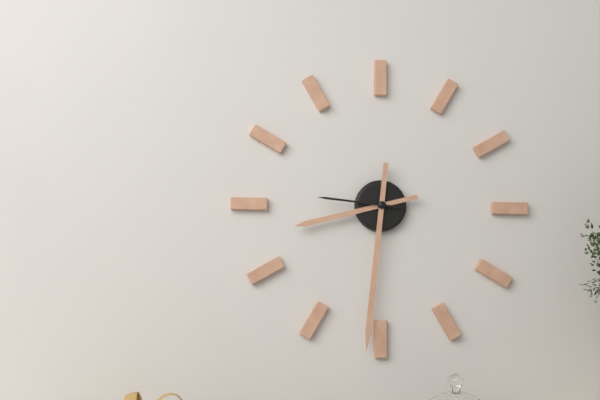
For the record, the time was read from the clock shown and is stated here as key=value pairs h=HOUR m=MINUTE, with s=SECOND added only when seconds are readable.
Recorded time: h=8 m=31 s=46
